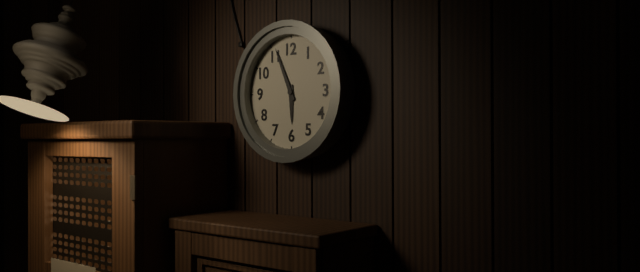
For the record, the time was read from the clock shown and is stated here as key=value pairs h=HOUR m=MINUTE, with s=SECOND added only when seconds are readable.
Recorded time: h=5 m=56
